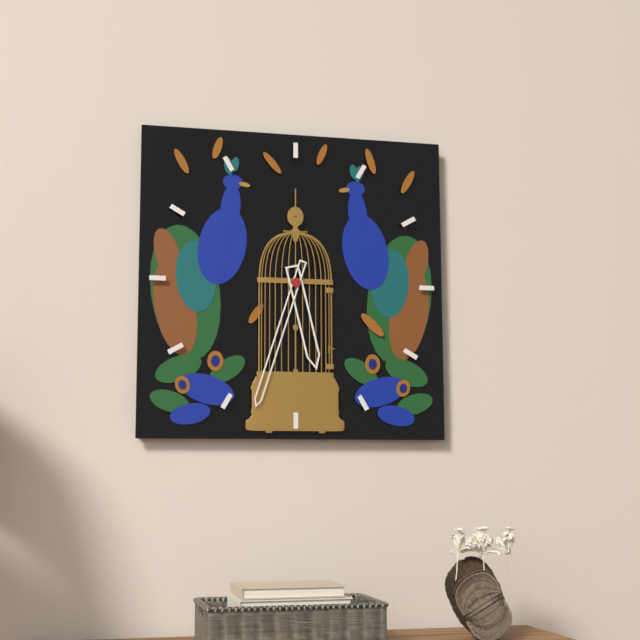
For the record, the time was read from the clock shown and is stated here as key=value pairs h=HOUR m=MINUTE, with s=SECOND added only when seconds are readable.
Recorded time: h=5 m=33
